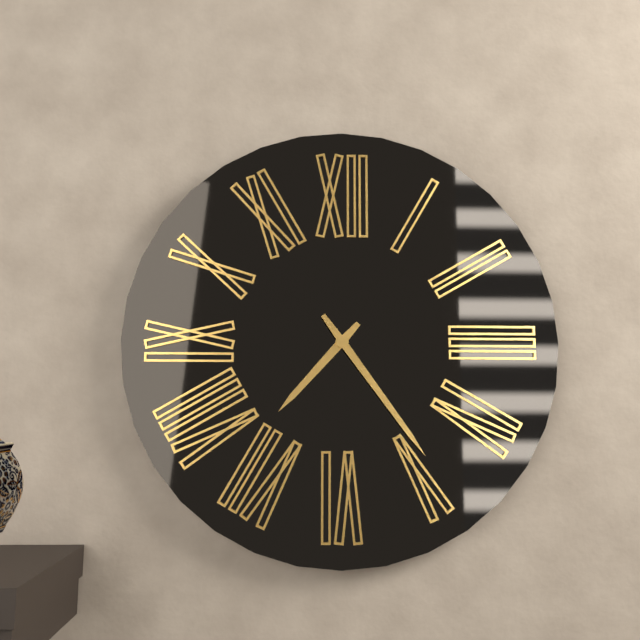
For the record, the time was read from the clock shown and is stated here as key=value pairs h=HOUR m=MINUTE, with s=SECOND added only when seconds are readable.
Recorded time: h=7 m=24
